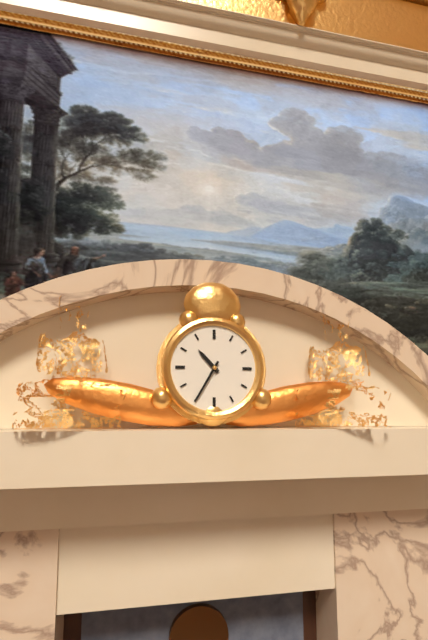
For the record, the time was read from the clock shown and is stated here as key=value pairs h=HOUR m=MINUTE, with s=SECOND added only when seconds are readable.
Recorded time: h=10 m=35
